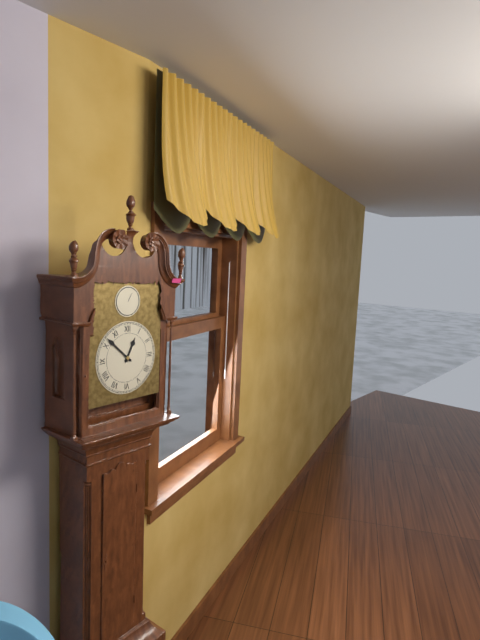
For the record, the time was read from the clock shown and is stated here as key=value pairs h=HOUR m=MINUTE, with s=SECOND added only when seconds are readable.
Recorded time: h=12 m=52
